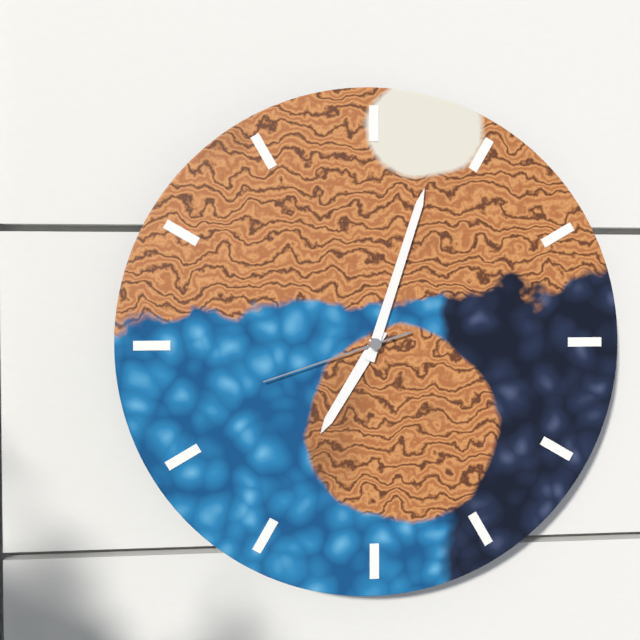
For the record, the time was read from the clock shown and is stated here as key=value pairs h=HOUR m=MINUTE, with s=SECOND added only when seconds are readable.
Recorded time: h=7 m=3 s=42
